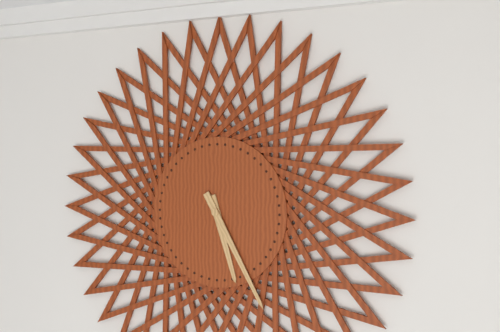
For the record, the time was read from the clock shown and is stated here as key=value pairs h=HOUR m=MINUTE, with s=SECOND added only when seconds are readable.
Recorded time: h=5 m=25
